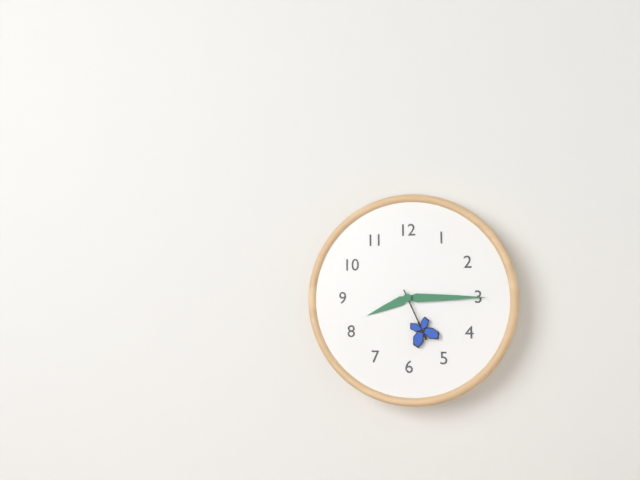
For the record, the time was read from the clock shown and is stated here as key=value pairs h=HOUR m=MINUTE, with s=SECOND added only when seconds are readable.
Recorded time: h=8 m=15 s=26
